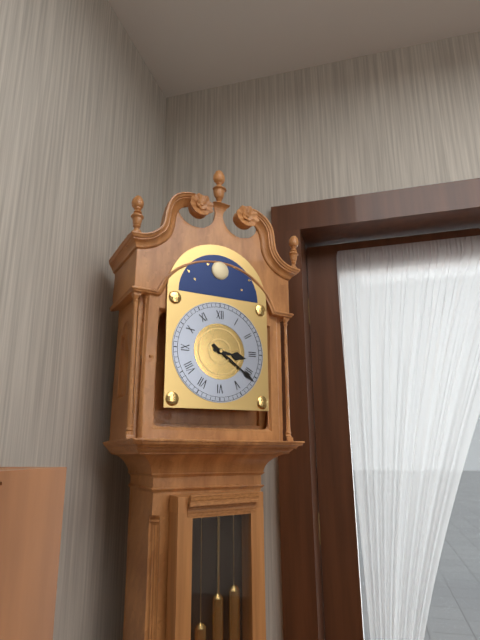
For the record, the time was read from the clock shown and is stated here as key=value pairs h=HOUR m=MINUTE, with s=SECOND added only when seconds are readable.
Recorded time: h=3 m=21
